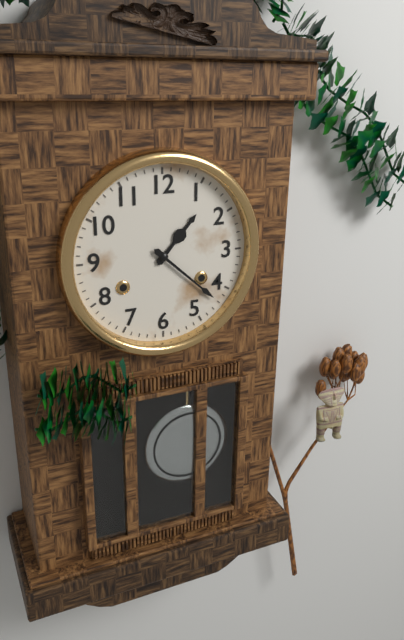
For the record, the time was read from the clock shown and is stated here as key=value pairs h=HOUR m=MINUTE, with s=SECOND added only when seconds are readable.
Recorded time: h=1 m=22
